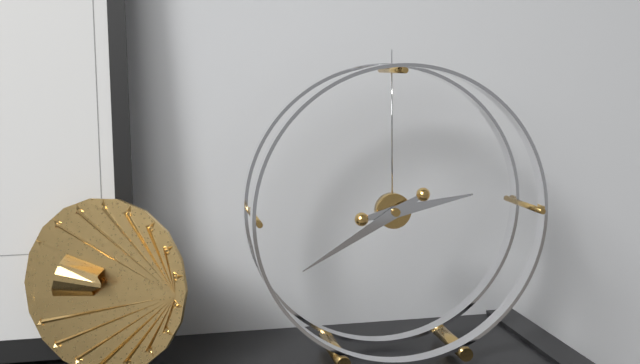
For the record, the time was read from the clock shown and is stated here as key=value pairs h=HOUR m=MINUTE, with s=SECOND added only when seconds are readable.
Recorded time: h=2 m=40
